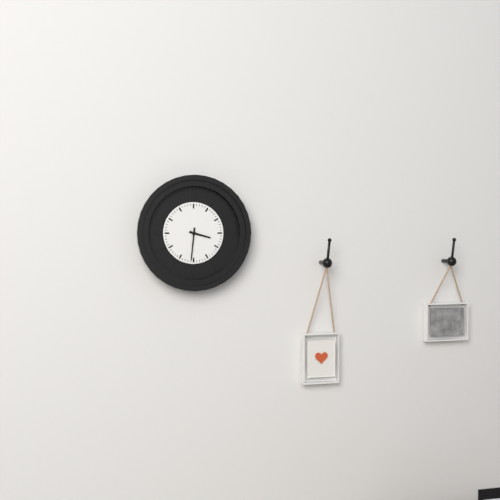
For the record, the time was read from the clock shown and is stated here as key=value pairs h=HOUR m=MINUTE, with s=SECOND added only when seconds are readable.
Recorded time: h=3 m=31
